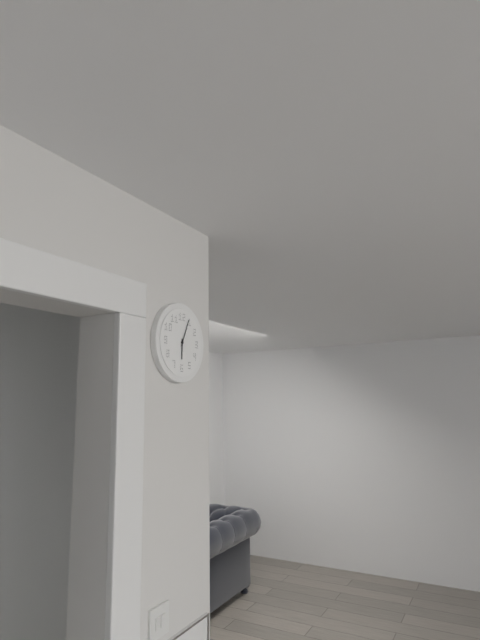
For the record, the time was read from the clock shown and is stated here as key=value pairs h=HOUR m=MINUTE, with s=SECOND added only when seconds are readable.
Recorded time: h=6 m=4
